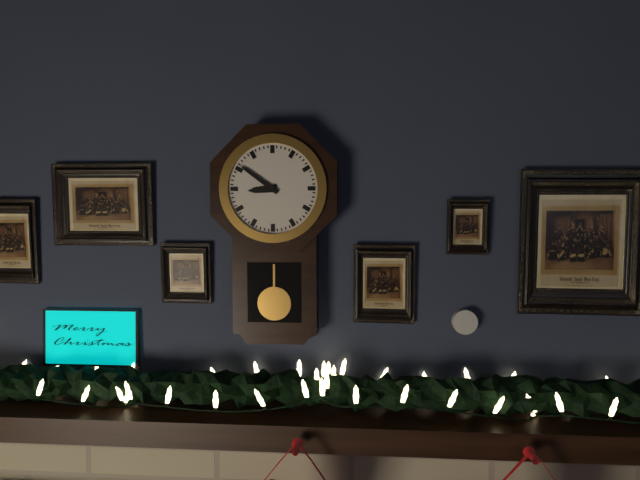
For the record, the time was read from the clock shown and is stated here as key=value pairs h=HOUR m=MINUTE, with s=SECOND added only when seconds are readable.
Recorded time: h=8 m=51
